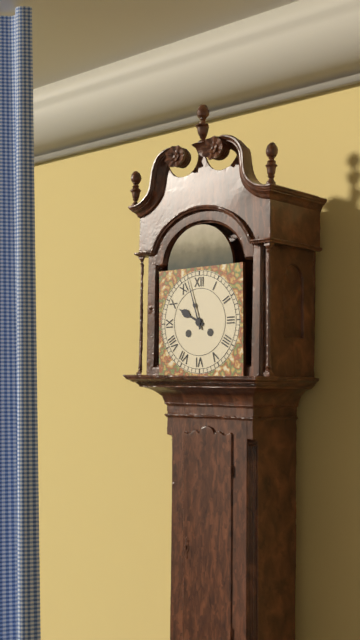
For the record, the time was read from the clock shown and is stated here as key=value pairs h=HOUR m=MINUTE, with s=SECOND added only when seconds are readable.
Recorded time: h=9 m=57
